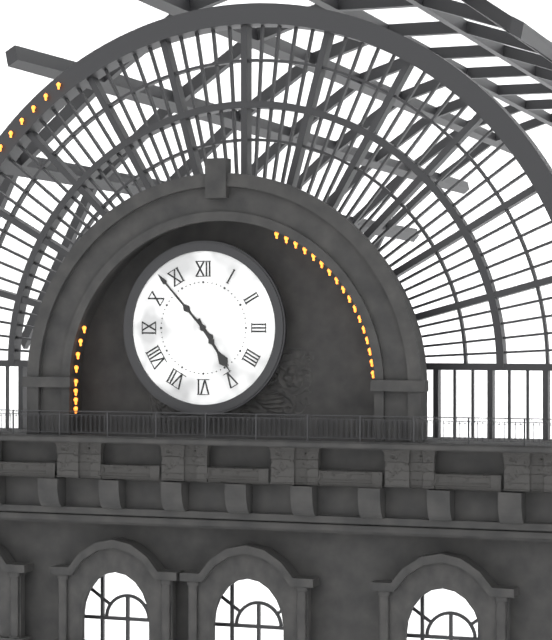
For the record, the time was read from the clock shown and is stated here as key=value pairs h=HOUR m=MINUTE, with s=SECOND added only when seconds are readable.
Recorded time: h=4 m=53
